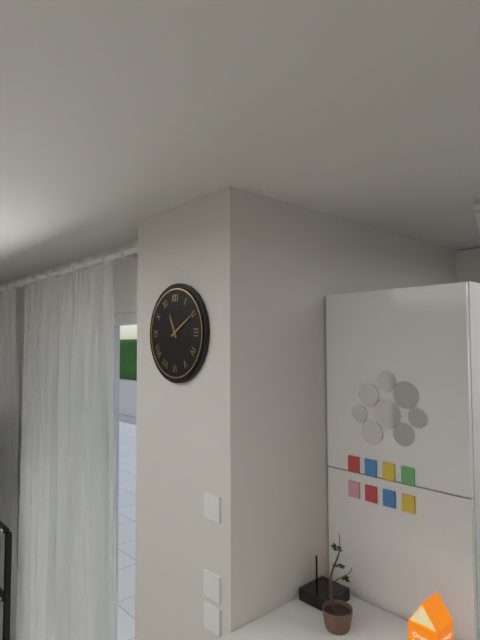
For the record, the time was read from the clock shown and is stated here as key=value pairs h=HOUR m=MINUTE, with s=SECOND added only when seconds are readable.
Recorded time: h=11 m=10
